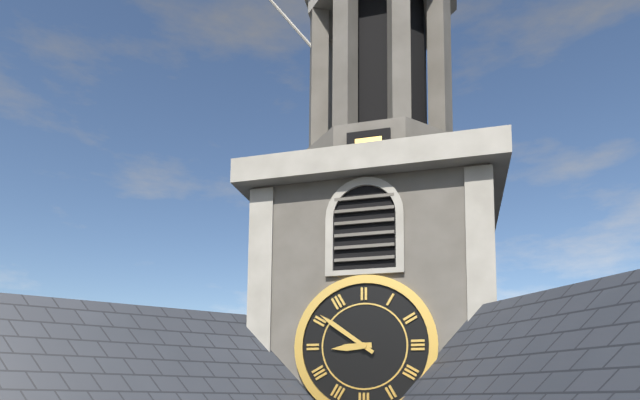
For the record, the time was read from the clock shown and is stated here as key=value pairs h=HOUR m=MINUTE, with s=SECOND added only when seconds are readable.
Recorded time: h=8 m=51
